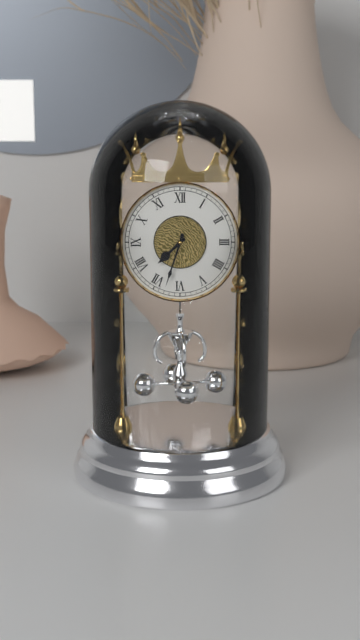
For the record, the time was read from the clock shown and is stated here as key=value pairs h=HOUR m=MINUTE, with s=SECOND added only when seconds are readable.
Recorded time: h=7 m=33
